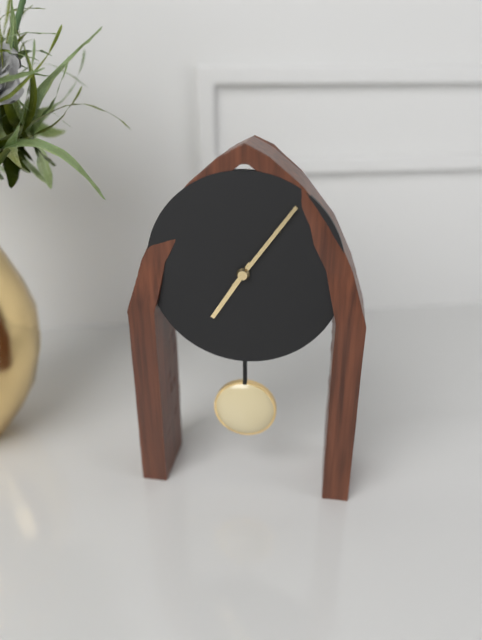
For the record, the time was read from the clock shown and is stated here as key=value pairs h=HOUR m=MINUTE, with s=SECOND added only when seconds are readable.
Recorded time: h=7 m=6
